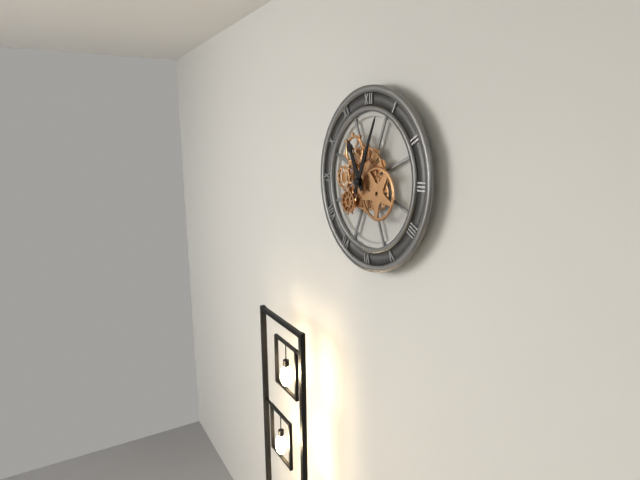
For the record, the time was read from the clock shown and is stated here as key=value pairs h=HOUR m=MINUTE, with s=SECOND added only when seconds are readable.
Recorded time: h=11 m=4
